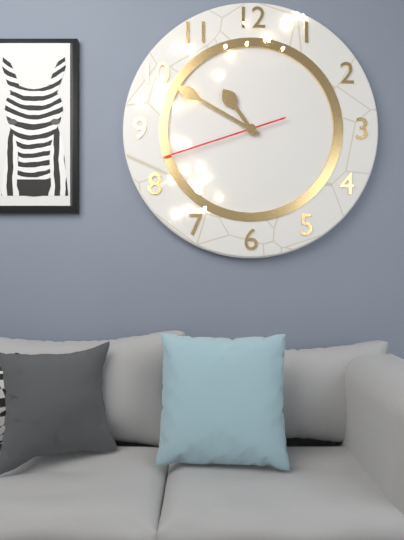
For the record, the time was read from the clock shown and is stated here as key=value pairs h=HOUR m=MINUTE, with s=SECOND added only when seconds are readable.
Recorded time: h=10 m=50 s=42
